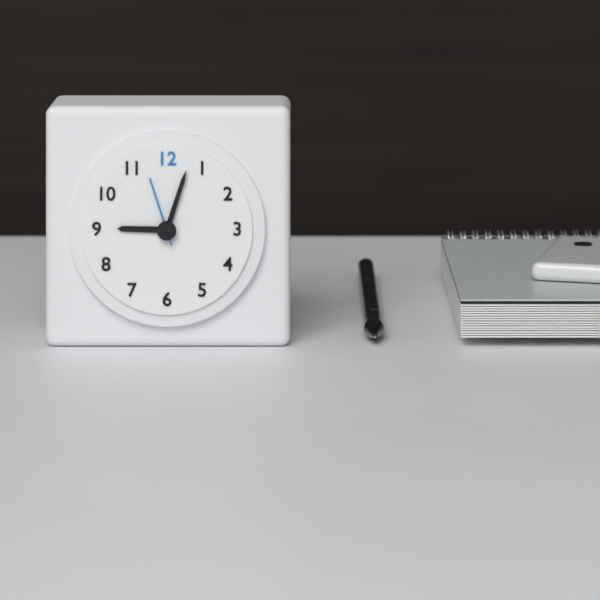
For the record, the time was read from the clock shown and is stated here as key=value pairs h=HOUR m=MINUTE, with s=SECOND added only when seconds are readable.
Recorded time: h=9 m=3 s=57
